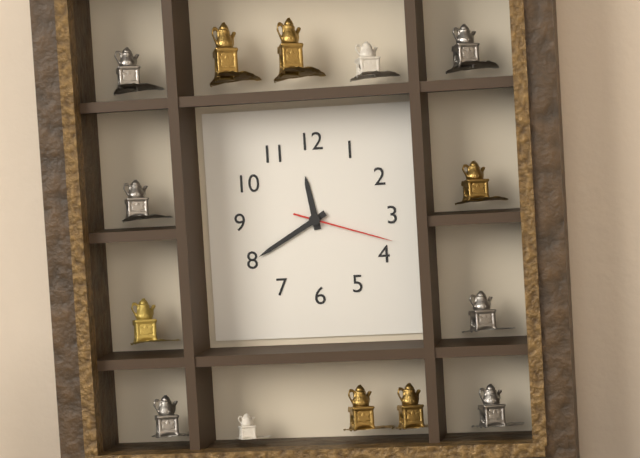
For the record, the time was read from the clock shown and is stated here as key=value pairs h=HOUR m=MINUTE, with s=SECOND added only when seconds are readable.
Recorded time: h=11 m=40 s=18
